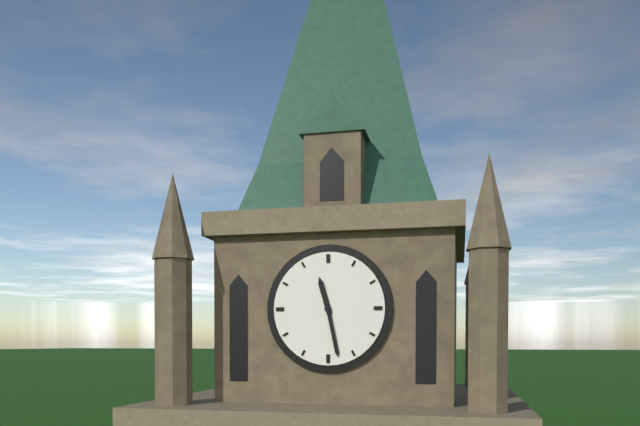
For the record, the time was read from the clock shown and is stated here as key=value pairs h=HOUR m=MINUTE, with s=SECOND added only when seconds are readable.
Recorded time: h=11 m=28
